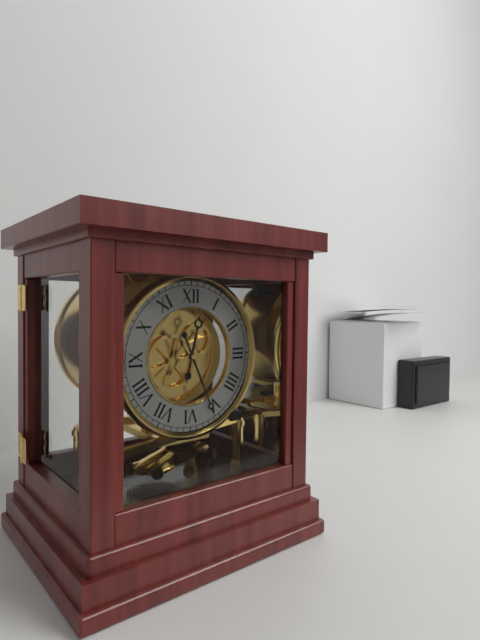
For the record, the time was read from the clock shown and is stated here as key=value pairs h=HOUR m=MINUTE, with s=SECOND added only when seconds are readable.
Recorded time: h=12 m=26
